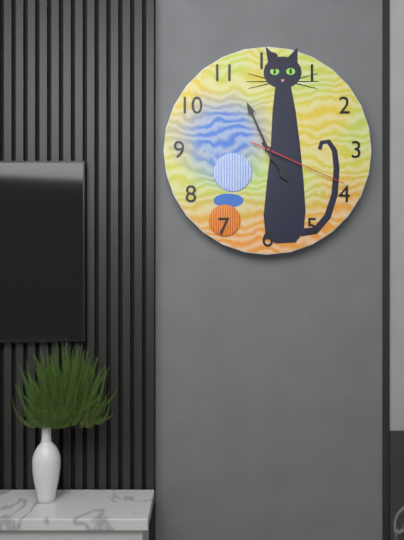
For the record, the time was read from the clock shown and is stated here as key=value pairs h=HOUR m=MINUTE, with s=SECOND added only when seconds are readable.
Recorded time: h=4 m=56 s=19
